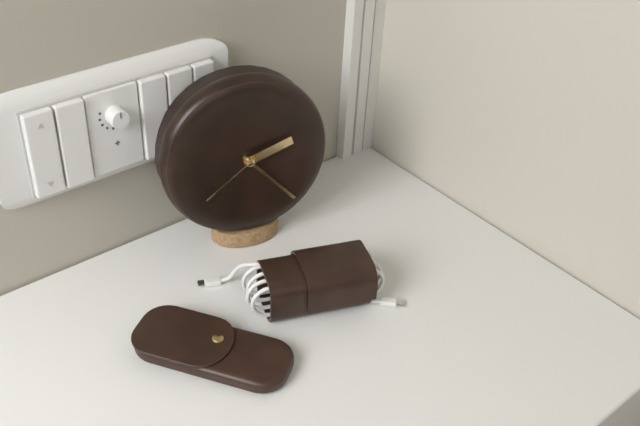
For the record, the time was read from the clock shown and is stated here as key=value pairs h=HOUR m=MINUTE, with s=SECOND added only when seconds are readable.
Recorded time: h=2 m=23 s=39
